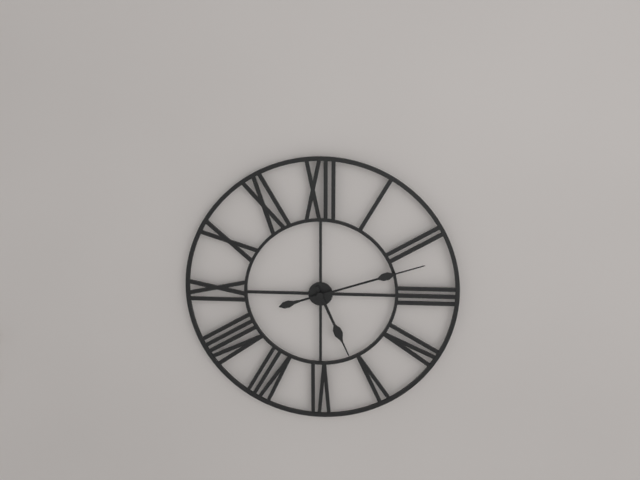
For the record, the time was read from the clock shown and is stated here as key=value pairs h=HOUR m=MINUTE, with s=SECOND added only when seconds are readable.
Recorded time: h=5 m=12
